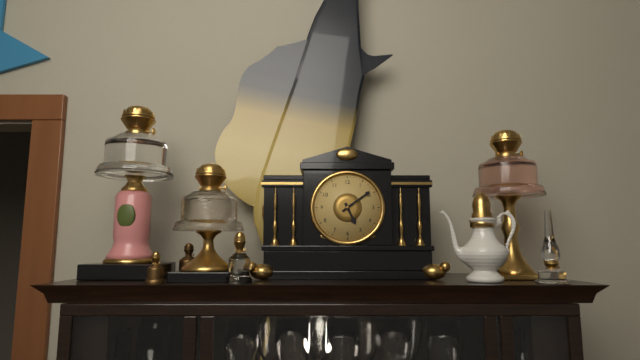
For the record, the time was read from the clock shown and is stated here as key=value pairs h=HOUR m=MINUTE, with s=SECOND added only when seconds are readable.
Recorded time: h=5 m=9
